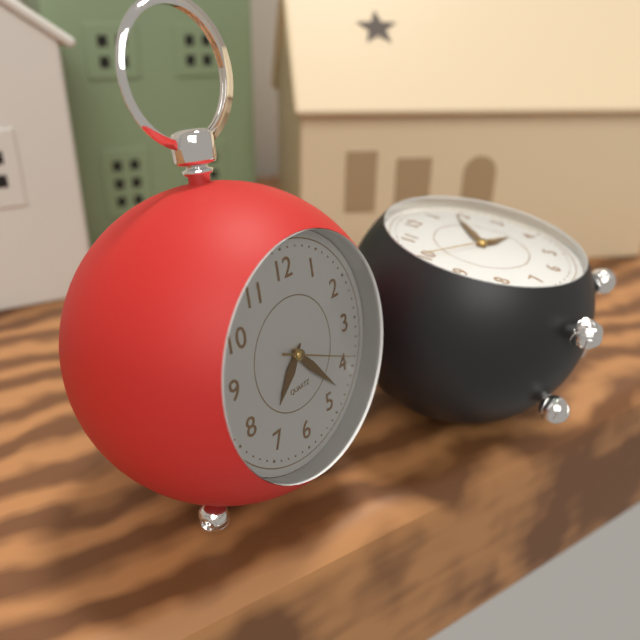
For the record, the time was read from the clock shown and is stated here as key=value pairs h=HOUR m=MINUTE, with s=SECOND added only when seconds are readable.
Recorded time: h=7 m=23 s=19
